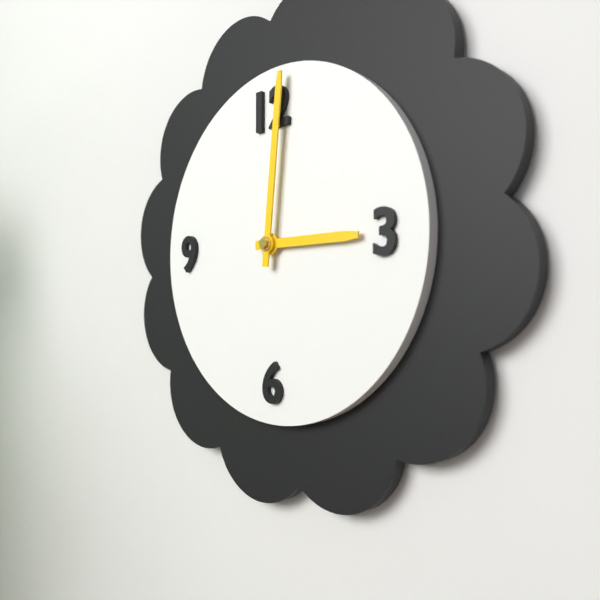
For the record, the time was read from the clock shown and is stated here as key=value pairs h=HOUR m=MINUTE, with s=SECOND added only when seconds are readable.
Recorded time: h=3 m=1
